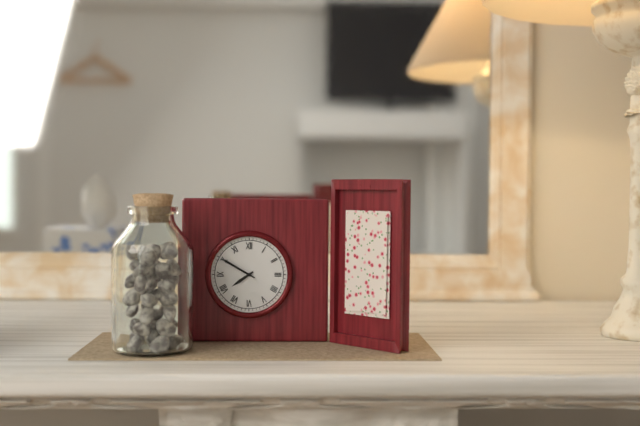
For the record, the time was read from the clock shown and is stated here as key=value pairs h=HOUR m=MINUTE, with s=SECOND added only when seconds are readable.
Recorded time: h=7 m=50
